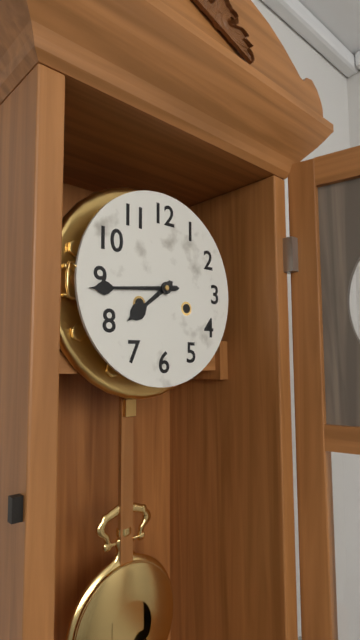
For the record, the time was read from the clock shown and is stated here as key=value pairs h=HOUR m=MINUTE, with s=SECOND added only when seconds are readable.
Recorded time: h=7 m=44
